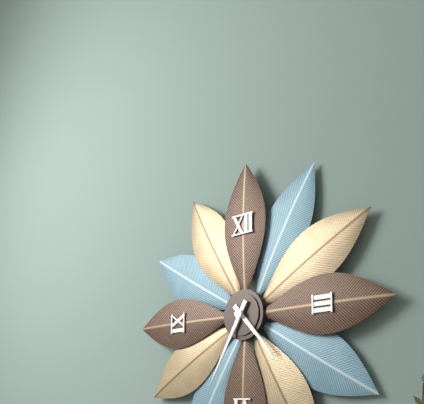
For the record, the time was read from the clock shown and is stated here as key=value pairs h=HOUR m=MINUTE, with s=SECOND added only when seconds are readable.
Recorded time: h=4 m=35
